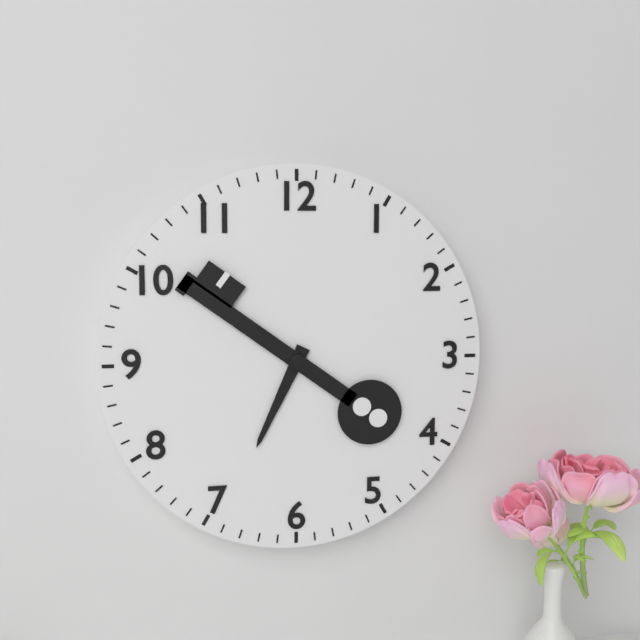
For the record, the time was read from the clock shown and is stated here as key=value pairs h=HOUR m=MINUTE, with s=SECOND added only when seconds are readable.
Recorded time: h=6 m=51
